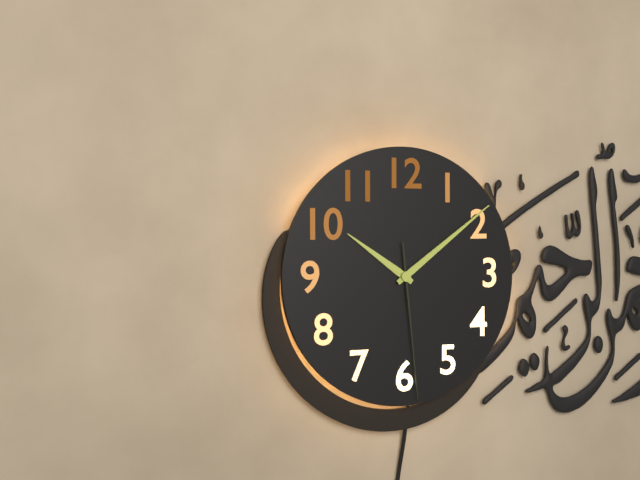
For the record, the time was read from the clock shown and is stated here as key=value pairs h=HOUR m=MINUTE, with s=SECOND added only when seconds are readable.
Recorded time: h=10 m=9 s=29
